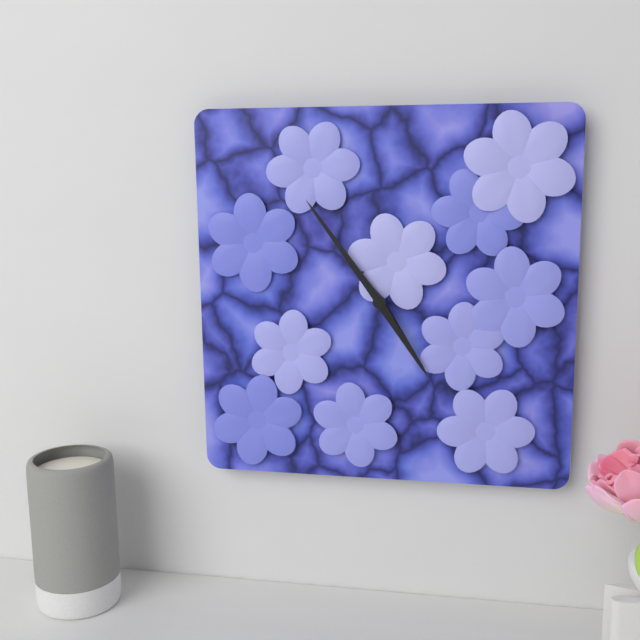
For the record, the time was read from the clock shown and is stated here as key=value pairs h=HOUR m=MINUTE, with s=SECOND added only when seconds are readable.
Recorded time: h=4 m=54
